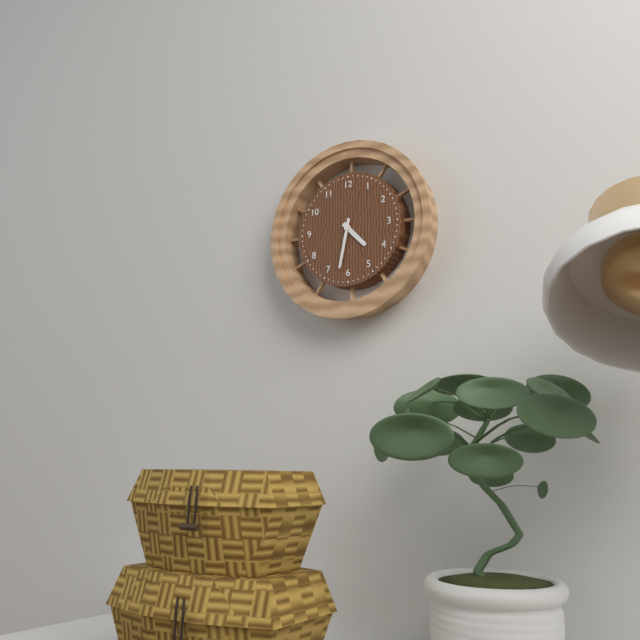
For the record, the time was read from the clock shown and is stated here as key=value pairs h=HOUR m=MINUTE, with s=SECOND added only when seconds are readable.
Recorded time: h=4 m=32
